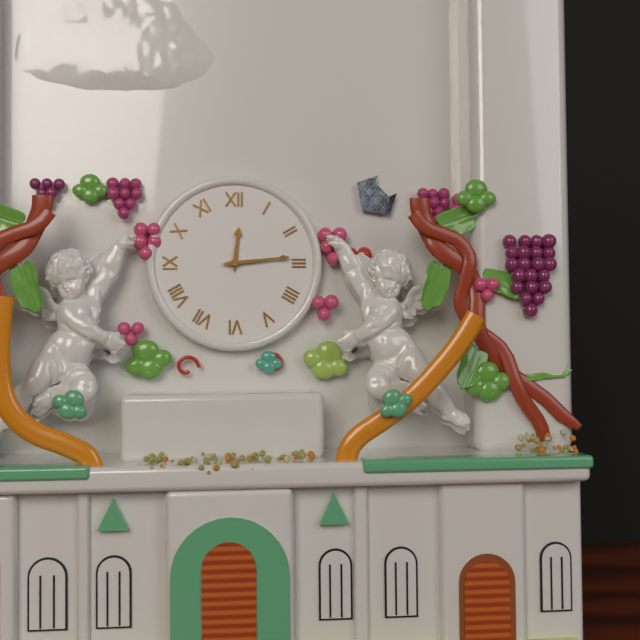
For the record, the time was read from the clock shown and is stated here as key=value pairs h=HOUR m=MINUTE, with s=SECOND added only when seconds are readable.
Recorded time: h=12 m=14
